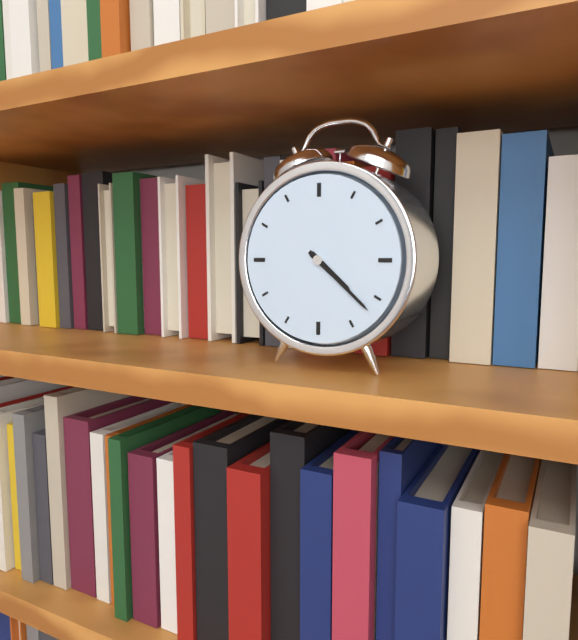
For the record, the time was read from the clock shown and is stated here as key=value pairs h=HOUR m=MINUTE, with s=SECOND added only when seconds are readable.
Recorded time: h=4 m=22
